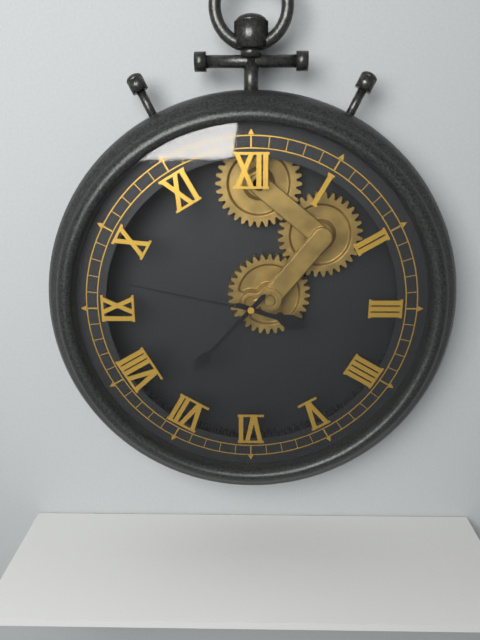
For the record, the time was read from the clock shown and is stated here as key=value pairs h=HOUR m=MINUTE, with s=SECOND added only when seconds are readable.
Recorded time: h=3 m=37 s=47
